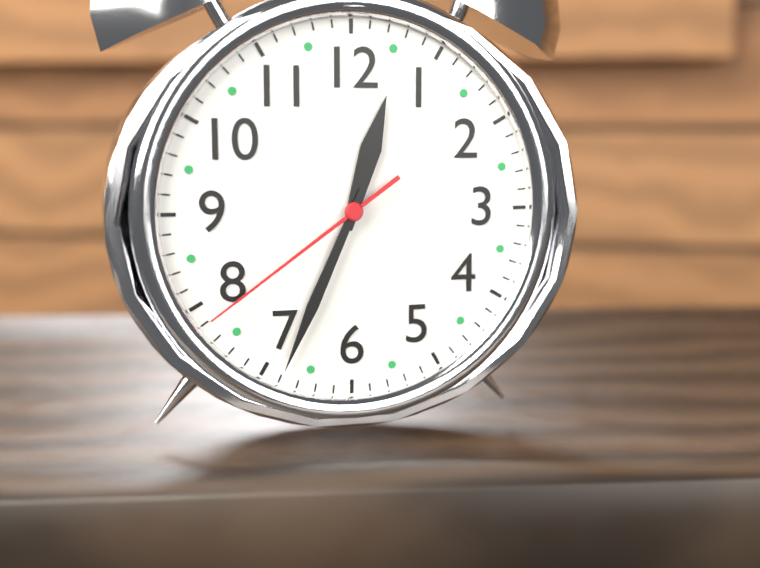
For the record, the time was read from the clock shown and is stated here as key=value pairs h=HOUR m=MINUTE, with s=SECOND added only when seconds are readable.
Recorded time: h=12 m=34 s=39
